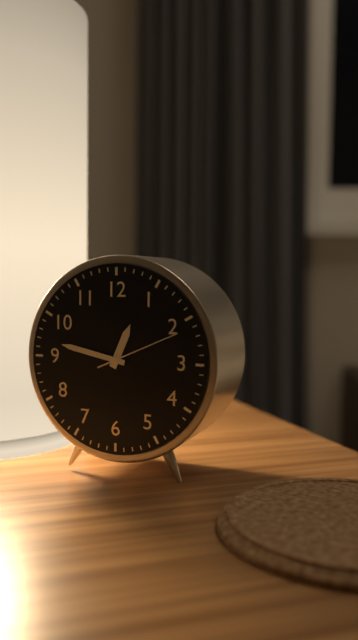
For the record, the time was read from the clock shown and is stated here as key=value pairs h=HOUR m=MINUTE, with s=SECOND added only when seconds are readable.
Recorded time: h=12 m=47 s=11
